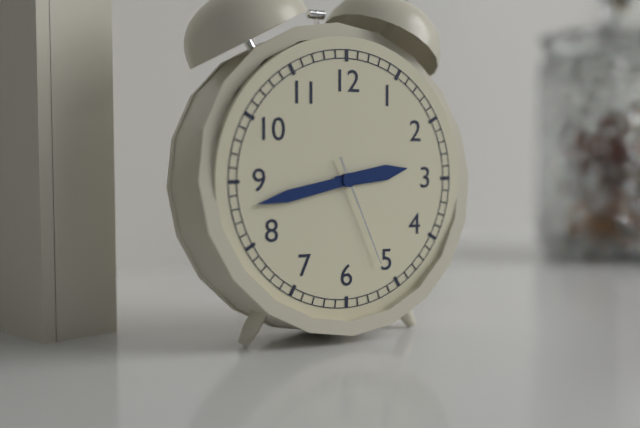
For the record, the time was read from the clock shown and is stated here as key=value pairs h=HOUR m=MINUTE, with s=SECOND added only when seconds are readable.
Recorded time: h=2 m=43 s=26
